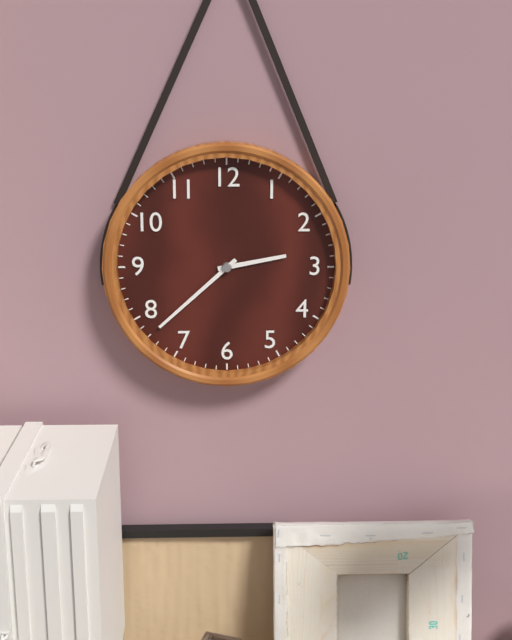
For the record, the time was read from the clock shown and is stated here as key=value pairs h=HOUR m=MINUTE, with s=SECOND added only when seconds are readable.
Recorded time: h=2 m=38
